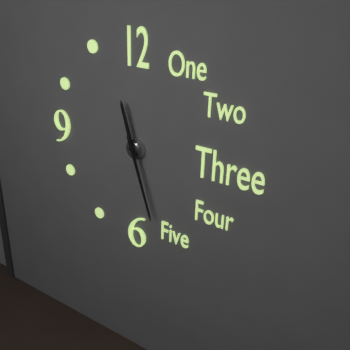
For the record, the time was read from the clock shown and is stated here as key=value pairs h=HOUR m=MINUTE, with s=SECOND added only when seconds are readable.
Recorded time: h=11 m=27
